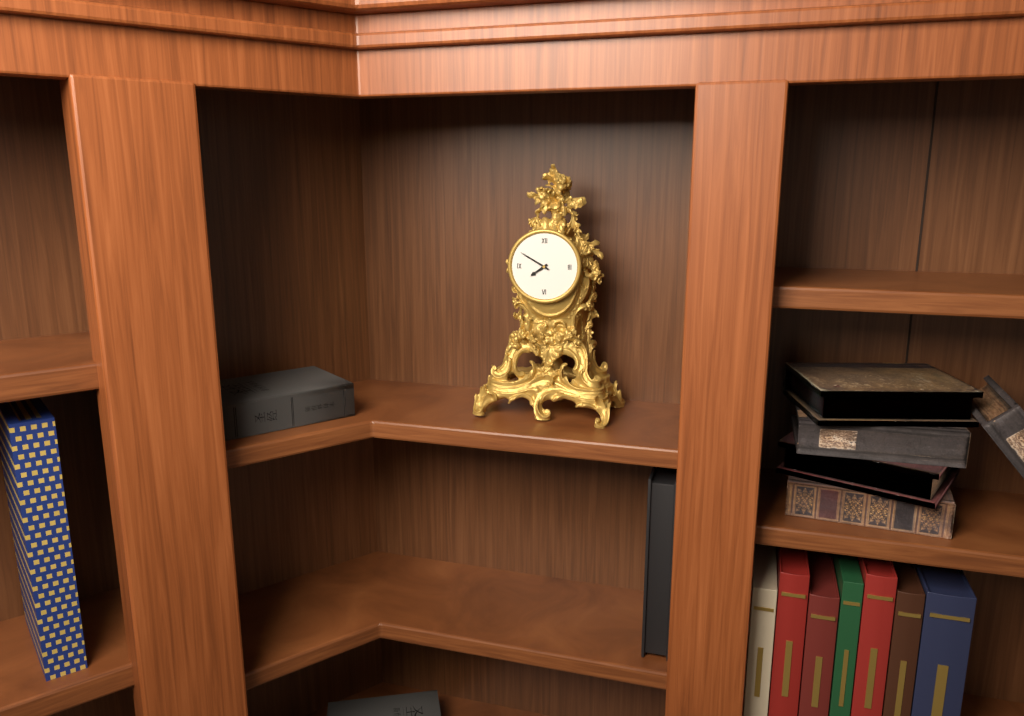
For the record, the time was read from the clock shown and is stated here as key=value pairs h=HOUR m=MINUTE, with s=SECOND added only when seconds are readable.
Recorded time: h=7 m=50
